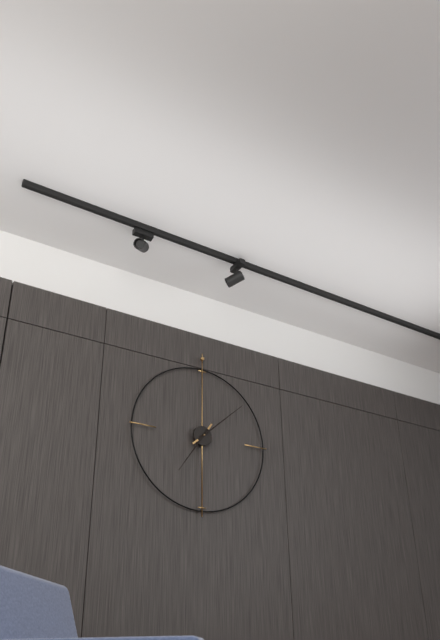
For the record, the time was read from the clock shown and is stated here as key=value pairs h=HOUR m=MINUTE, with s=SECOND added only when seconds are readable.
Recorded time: h=7 m=8
